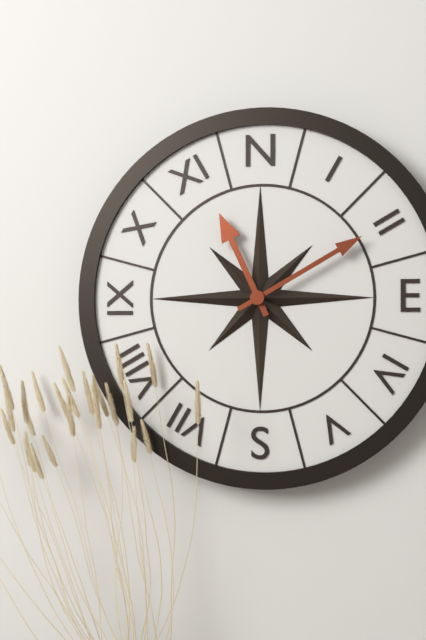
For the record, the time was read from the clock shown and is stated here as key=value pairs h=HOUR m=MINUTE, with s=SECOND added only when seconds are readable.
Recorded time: h=11 m=10
